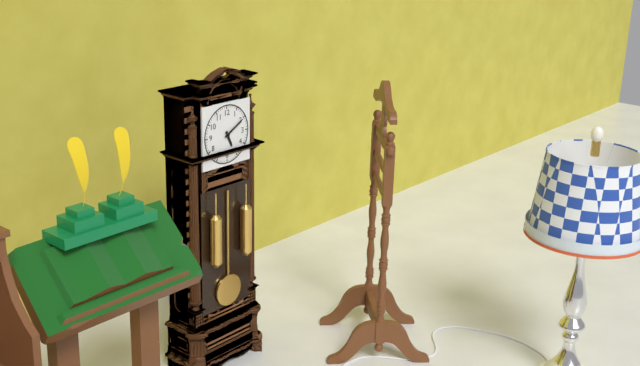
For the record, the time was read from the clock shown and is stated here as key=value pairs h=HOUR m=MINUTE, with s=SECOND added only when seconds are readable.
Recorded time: h=5 m=10
